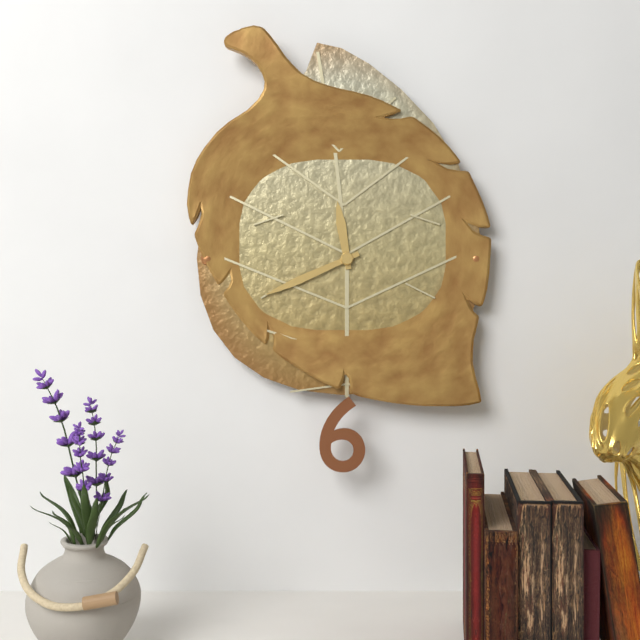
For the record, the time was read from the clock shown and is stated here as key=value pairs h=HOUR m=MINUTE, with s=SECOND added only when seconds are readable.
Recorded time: h=11 m=41
